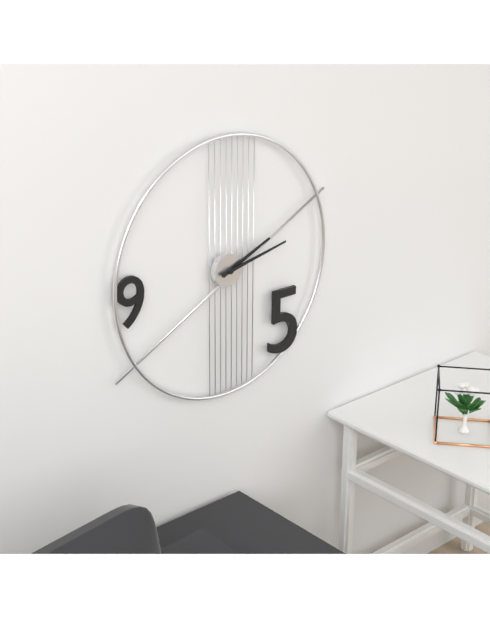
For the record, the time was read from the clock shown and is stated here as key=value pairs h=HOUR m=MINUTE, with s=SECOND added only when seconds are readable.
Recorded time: h=2 m=13
